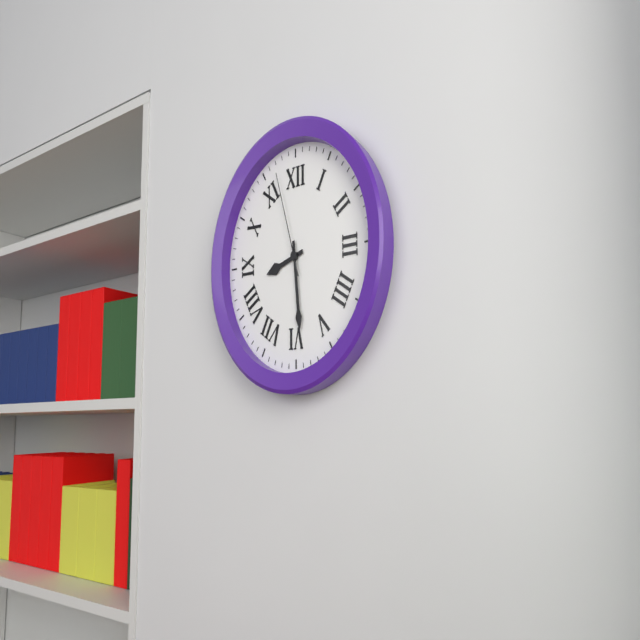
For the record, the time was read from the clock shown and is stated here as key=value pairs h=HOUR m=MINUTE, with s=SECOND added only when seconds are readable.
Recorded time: h=8 m=29 s=57
